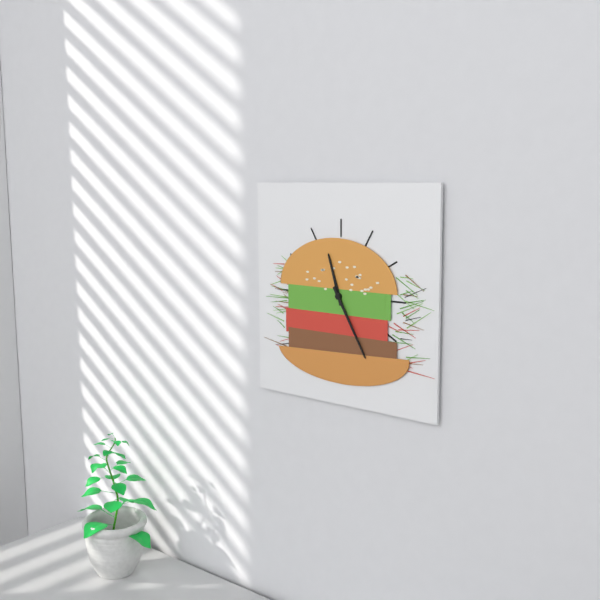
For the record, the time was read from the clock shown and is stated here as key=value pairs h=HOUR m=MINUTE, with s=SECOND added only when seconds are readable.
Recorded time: h=11 m=25
